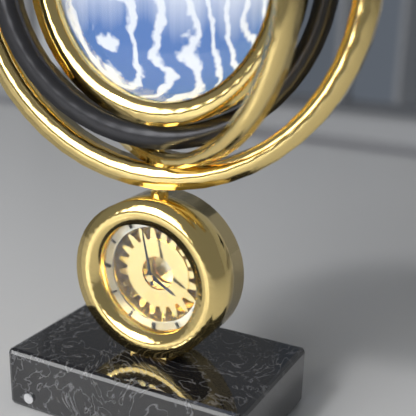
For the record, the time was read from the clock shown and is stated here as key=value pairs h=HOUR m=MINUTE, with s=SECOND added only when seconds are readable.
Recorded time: h=3 m=58
